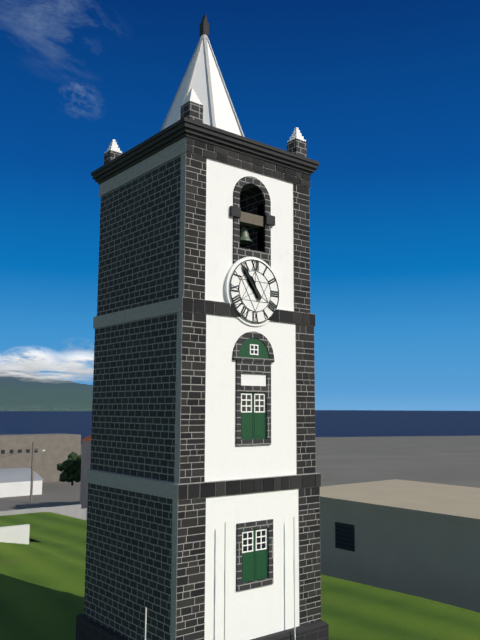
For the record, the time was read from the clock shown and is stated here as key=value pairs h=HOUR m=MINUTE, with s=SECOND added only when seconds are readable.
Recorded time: h=10 m=54
